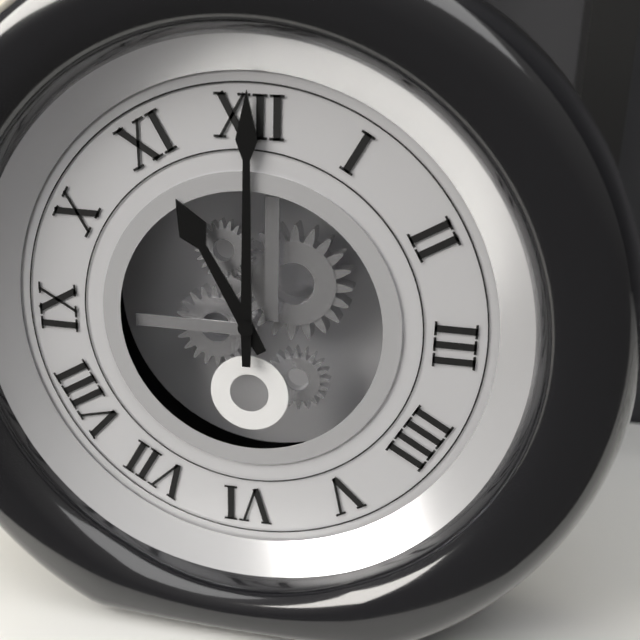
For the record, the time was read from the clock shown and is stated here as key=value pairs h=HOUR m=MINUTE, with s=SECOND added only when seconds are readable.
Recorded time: h=11 m=0
